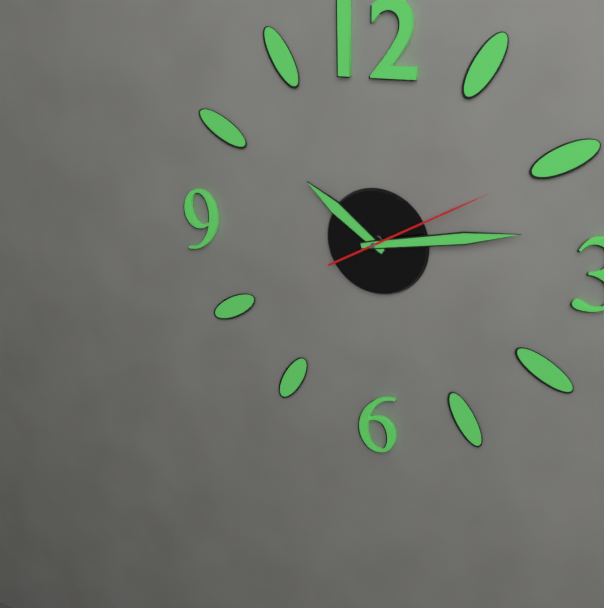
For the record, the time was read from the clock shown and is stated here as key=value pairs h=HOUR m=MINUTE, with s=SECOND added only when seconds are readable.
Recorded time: h=10 m=13 s=10
